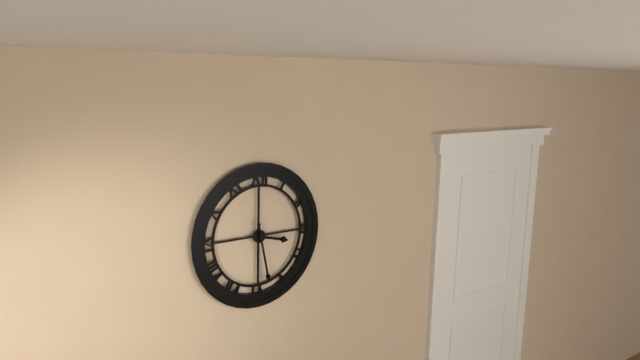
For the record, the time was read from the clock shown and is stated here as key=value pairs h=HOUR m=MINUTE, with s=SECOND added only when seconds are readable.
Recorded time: h=3 m=28
